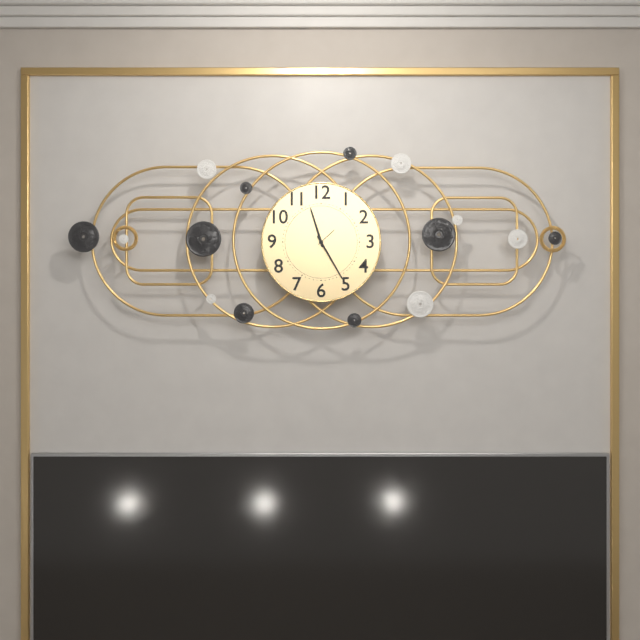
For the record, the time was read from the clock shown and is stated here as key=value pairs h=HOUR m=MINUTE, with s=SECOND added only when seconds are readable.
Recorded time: h=11 m=25
